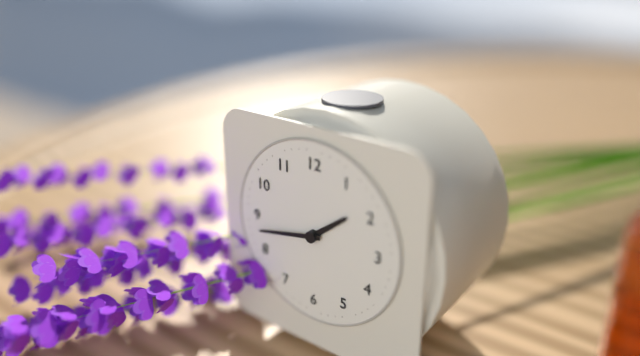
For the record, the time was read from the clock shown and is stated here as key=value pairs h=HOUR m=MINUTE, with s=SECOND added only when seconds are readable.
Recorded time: h=1 m=43
